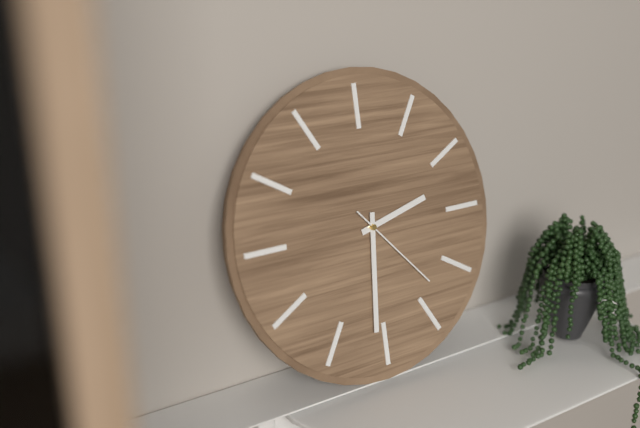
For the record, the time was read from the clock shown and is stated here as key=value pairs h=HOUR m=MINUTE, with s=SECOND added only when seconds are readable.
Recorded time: h=2 m=31 s=23
